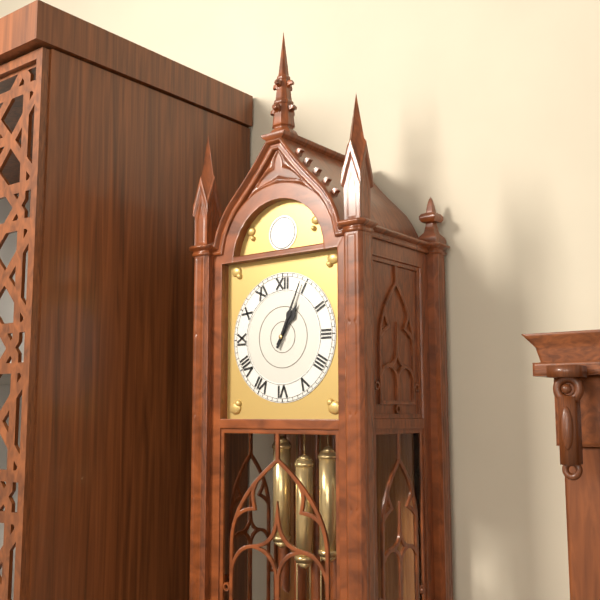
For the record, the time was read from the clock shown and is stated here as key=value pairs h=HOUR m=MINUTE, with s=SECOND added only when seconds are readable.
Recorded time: h=1 m=4
